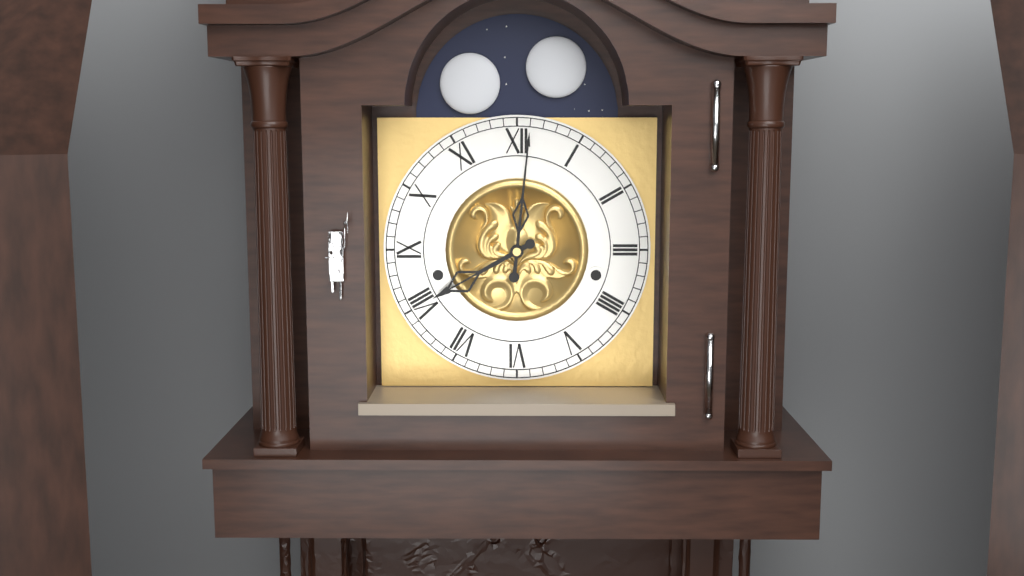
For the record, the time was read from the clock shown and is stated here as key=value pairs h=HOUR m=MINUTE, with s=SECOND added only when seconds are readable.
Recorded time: h=8 m=1
